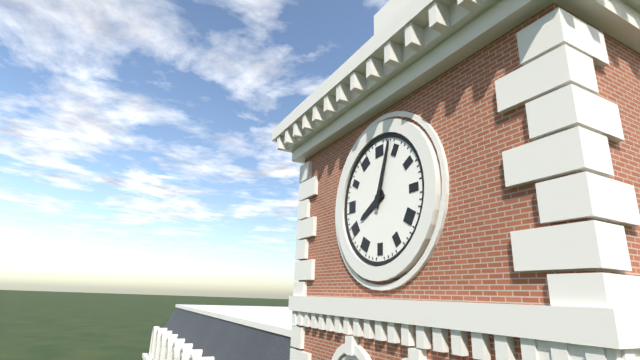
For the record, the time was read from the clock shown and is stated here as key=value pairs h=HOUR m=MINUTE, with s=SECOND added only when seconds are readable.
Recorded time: h=8 m=3
